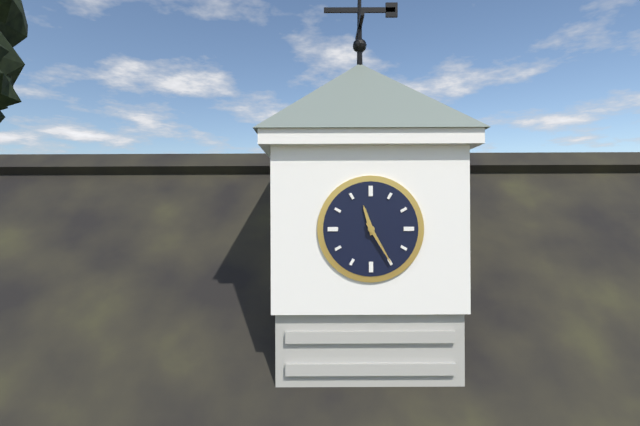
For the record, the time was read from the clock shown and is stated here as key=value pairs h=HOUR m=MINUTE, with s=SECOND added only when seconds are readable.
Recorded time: h=11 m=25
